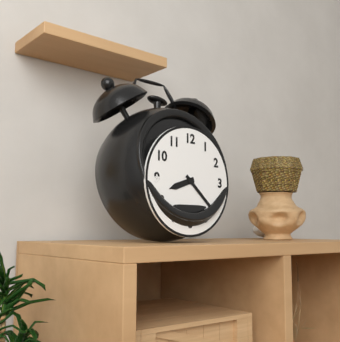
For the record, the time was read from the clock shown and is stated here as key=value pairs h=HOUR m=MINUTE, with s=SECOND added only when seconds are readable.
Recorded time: h=8 m=22
